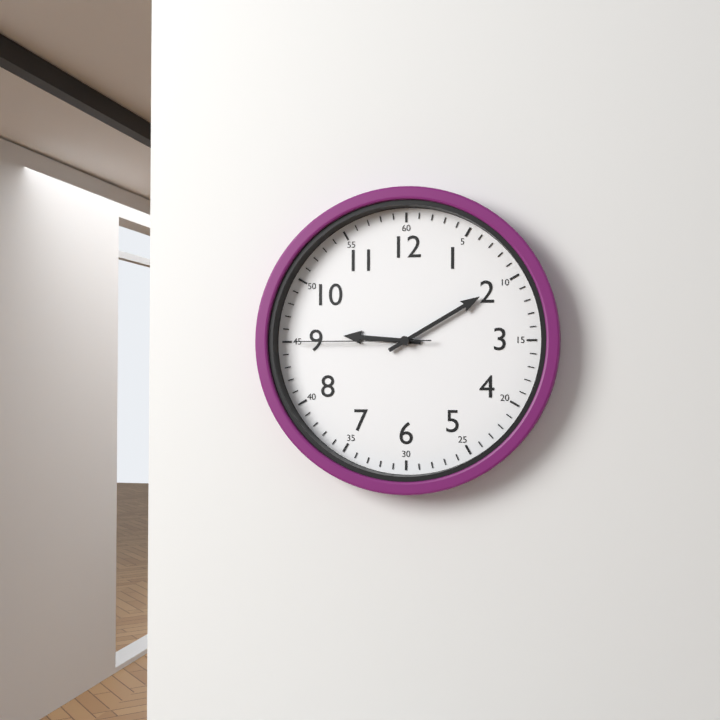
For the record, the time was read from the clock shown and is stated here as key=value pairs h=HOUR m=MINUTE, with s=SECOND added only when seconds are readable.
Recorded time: h=9 m=10 s=45
